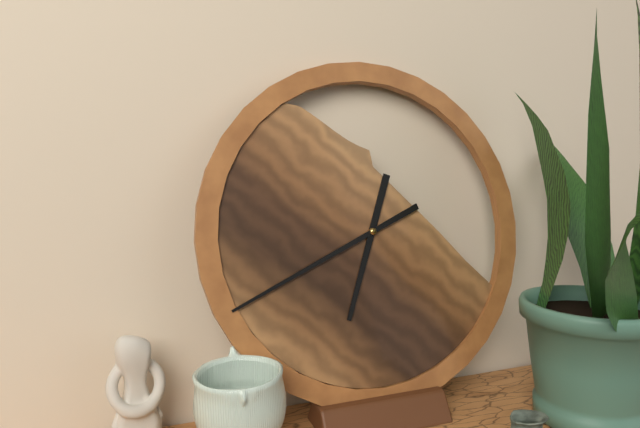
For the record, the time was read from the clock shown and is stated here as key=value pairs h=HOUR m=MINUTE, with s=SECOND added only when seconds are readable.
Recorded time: h=6 m=41
